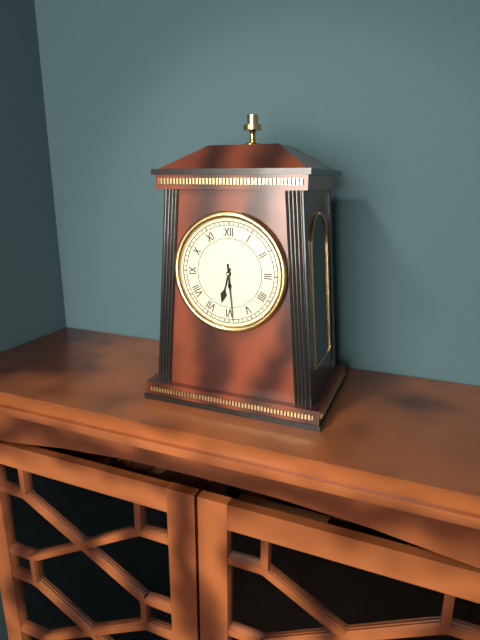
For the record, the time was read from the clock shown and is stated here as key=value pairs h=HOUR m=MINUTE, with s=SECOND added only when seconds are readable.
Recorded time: h=6 m=29
